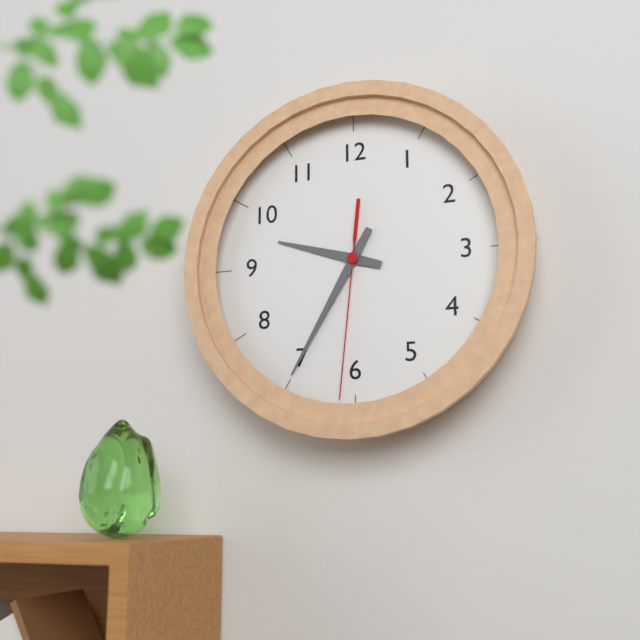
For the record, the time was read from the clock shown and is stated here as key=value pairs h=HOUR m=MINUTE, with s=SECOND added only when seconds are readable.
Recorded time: h=9 m=35 s=31
